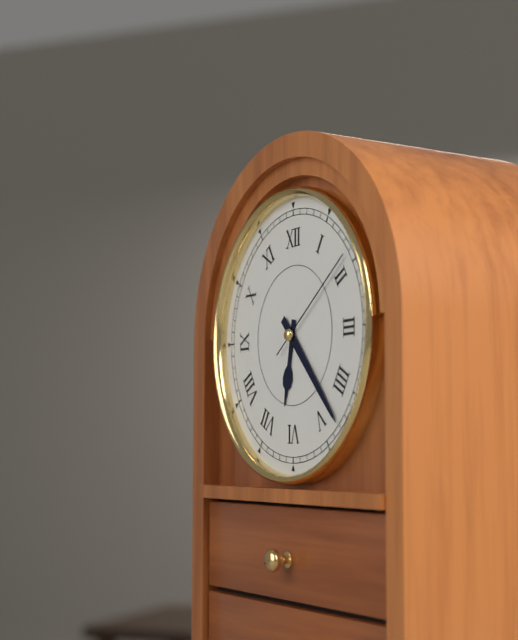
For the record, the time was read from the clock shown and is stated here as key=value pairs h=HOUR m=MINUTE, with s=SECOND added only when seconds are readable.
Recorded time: h=6 m=23 s=9
